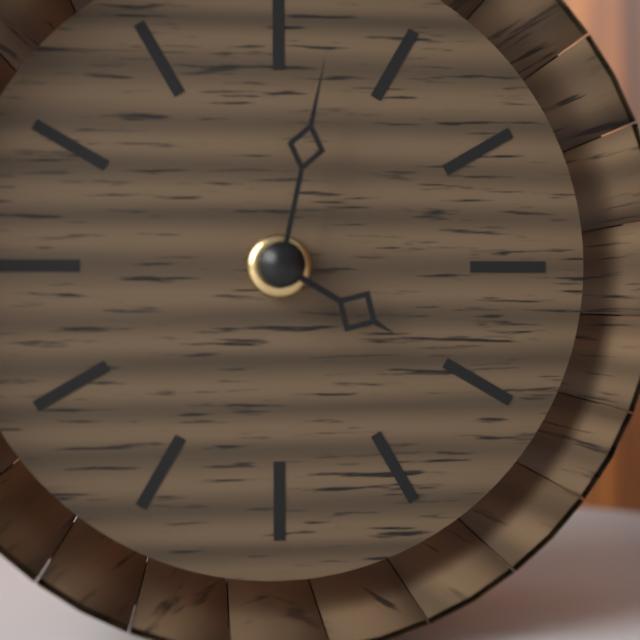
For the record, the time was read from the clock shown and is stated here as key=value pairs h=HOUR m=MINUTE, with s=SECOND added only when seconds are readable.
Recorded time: h=4 m=2
